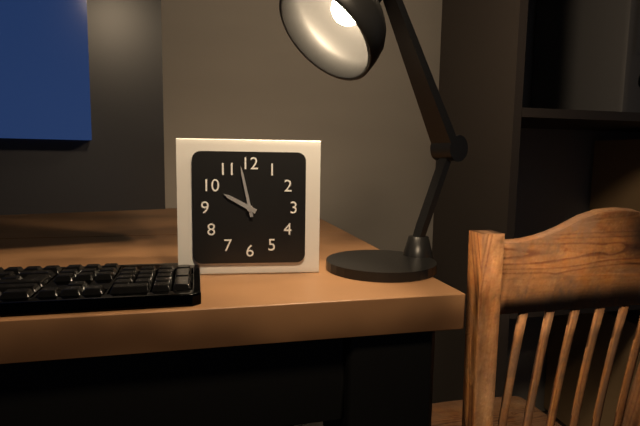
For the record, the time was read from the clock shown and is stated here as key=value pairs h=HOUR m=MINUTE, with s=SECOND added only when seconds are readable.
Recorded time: h=9 m=58
